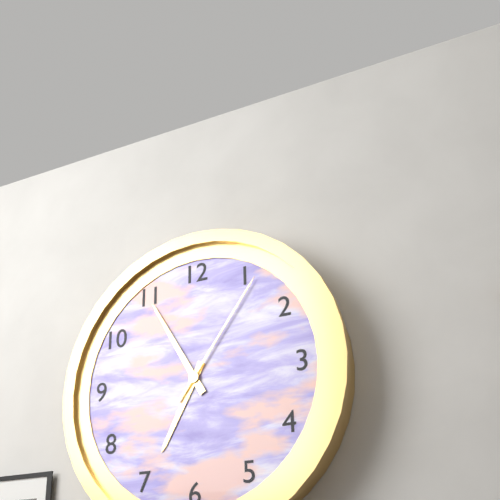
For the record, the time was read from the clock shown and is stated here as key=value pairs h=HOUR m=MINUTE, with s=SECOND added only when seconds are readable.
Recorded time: h=6 m=55 s=6
